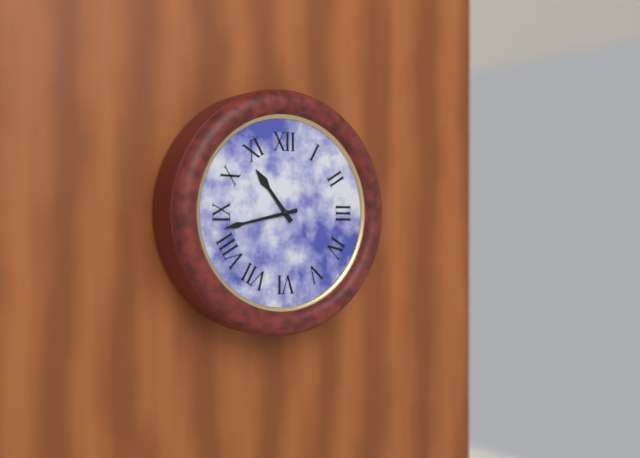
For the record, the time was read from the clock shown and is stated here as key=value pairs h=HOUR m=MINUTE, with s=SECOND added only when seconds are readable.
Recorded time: h=10 m=43
